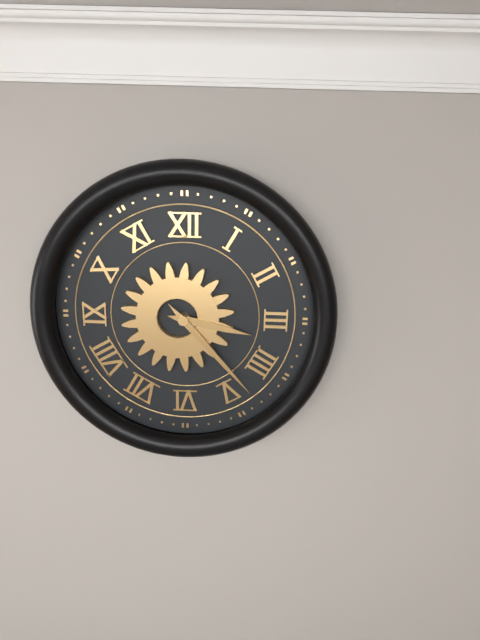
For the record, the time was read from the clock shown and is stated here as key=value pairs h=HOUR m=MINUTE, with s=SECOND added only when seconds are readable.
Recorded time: h=3 m=23
